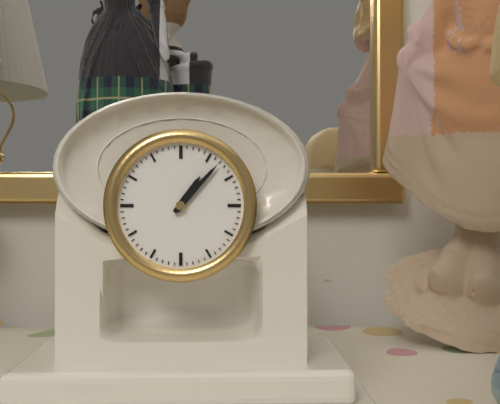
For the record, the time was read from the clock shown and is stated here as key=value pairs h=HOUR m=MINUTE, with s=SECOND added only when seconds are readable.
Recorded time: h=1 m=7
